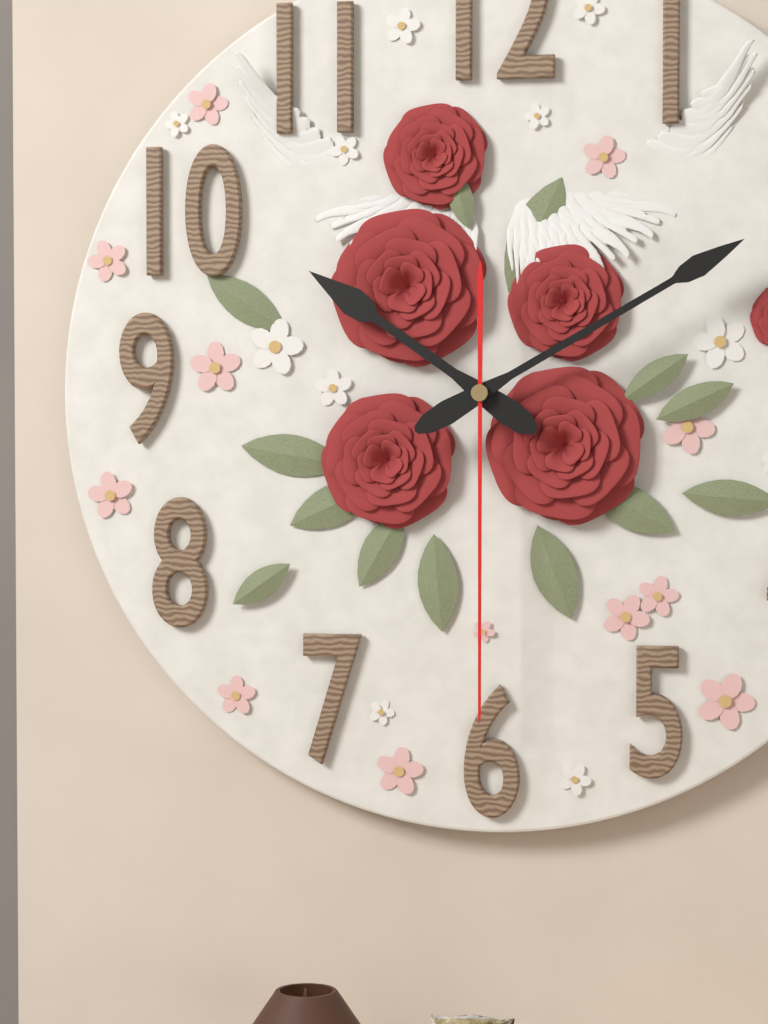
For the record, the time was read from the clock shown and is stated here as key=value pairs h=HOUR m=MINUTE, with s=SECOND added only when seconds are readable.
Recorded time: h=10 m=10 s=30
